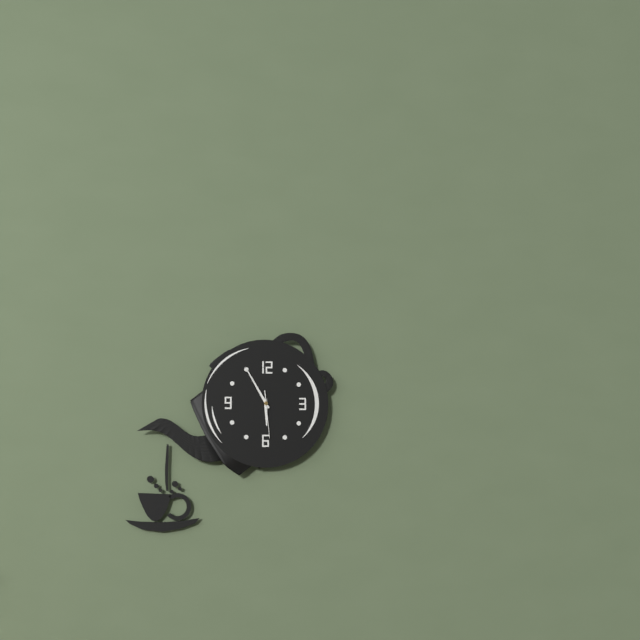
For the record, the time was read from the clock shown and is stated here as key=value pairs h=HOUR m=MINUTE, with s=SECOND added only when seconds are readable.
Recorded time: h=5 m=55
